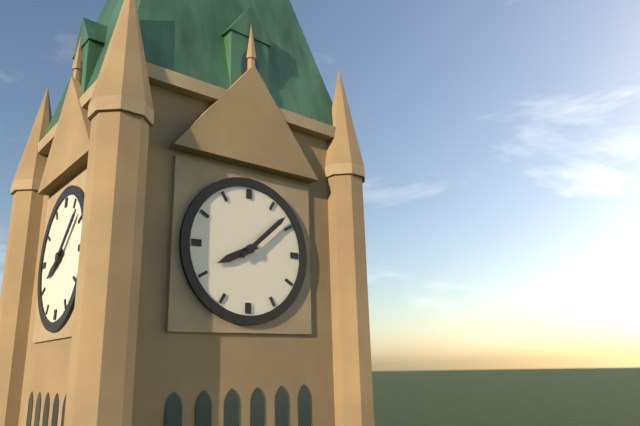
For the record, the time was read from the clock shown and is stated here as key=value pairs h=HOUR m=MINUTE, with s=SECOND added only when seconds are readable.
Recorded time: h=8 m=8
